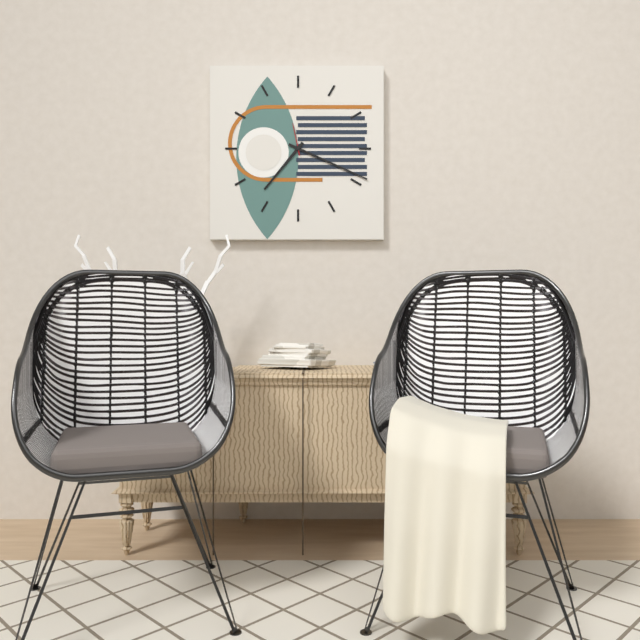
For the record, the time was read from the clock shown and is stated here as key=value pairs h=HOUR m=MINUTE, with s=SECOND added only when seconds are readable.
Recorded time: h=7 m=19
